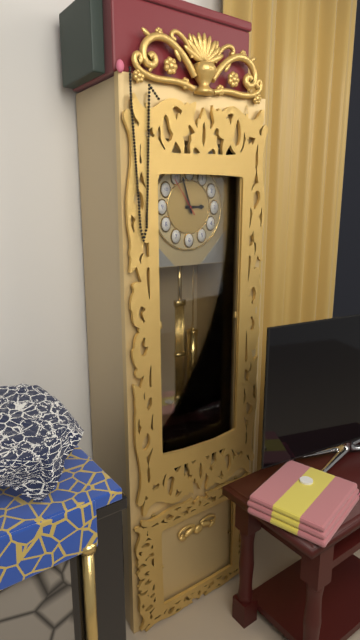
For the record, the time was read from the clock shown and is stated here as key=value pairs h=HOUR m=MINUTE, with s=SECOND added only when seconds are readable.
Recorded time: h=2 m=57
